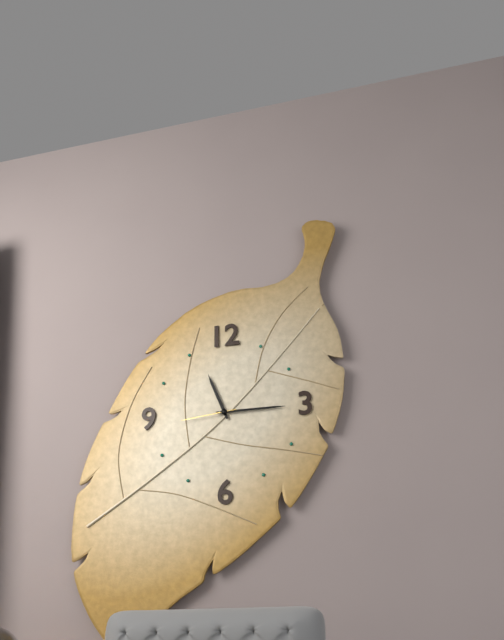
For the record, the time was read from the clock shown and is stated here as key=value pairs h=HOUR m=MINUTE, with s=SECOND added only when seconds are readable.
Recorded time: h=11 m=15 s=44
